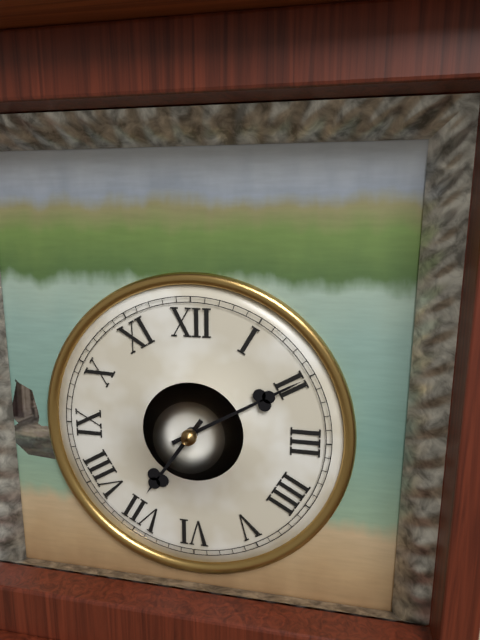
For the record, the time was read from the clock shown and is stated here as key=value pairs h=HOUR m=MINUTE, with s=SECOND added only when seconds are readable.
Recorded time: h=7 m=10
